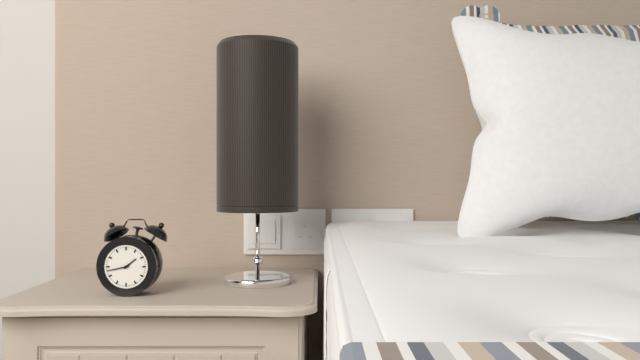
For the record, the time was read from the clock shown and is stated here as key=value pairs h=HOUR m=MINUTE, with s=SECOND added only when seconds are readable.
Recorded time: h=1 m=43
